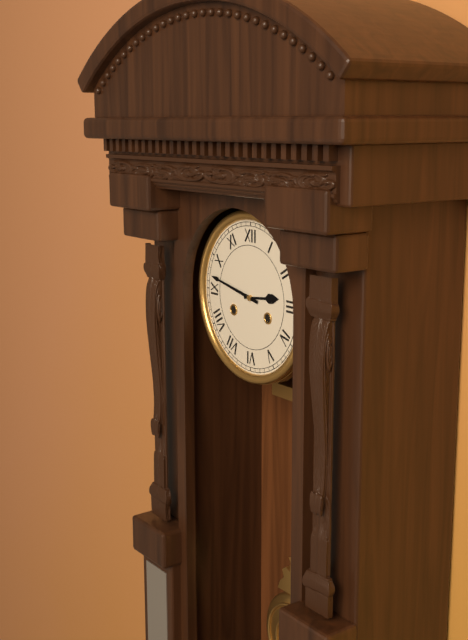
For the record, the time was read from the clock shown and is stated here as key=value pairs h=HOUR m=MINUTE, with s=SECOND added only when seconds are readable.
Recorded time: h=2 m=47
